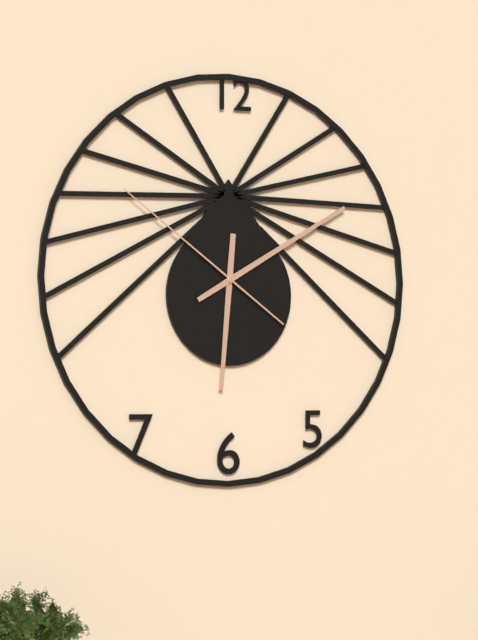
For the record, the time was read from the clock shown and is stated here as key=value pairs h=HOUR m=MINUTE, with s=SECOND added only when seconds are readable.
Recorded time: h=6 m=10 s=51
